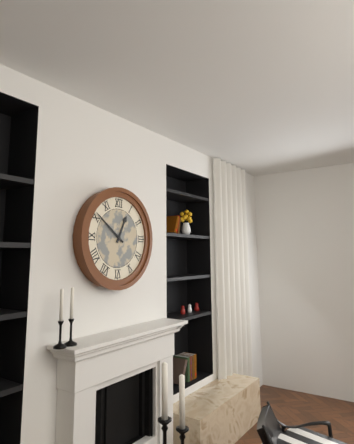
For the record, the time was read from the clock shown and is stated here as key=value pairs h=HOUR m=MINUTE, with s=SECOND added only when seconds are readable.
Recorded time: h=12 m=51
